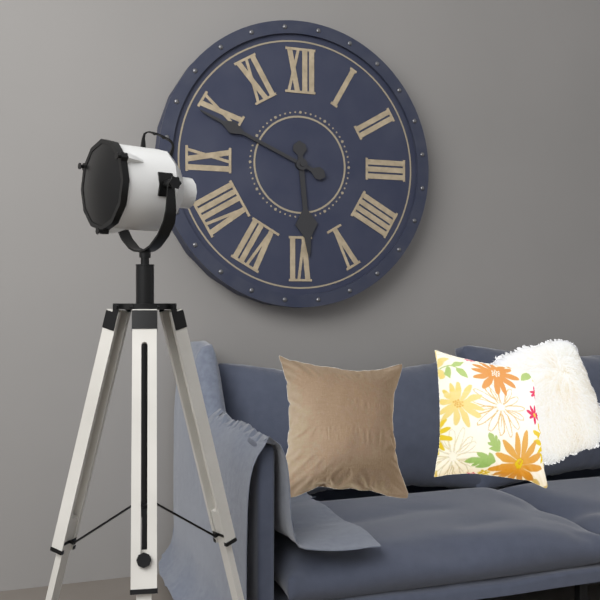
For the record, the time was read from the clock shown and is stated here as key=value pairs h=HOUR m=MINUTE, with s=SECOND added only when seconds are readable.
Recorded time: h=5 m=49
